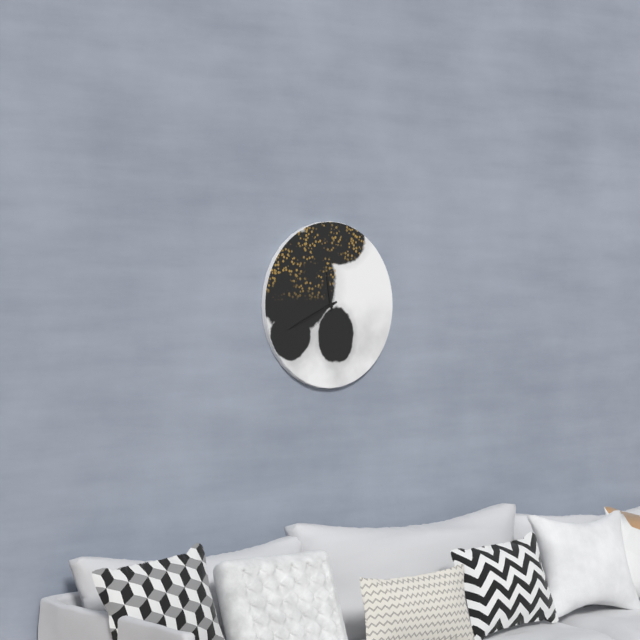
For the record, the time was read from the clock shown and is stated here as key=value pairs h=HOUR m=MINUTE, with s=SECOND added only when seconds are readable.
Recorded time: h=11 m=41
